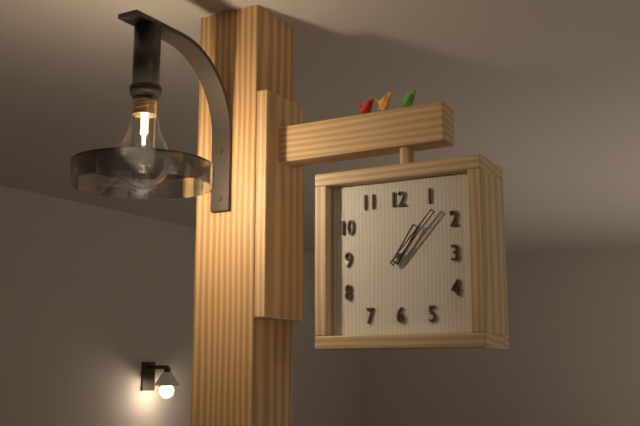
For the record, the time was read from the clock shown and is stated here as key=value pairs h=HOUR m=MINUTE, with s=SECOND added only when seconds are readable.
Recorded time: h=1 m=7
